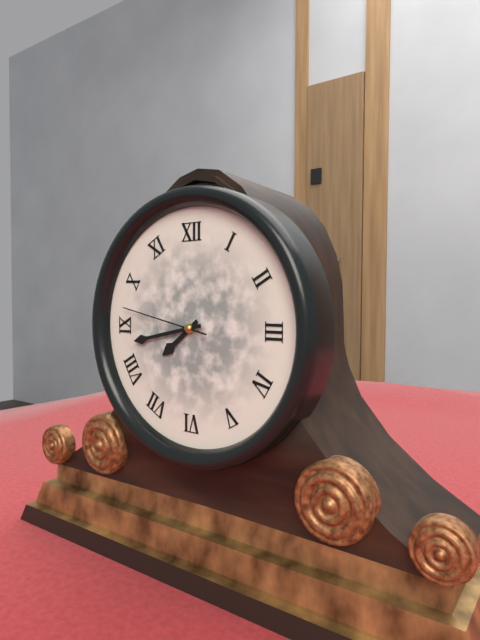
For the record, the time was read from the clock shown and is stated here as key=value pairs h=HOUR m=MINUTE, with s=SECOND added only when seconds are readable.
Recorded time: h=7 m=43 s=47
